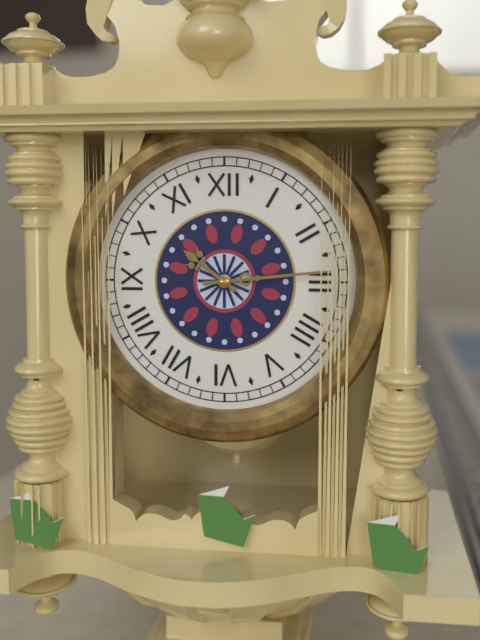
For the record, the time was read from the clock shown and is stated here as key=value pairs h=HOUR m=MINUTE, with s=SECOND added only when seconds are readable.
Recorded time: h=10 m=14
